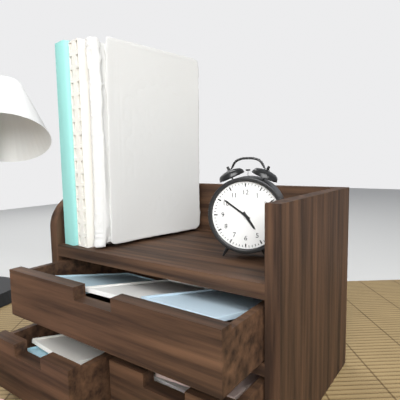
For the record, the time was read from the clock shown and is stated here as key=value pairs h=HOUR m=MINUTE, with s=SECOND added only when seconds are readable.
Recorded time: h=4 m=51
